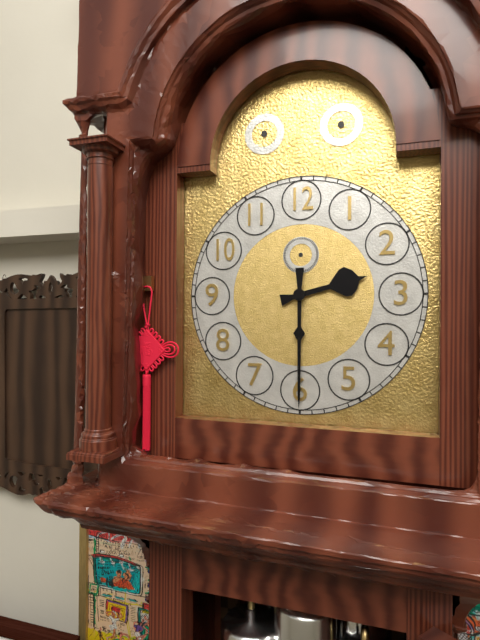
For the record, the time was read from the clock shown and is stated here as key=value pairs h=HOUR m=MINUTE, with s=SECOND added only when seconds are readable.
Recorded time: h=2 m=30
